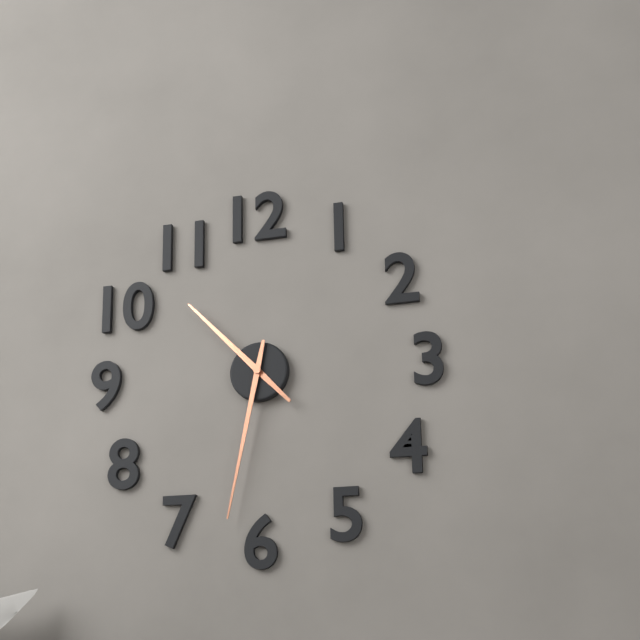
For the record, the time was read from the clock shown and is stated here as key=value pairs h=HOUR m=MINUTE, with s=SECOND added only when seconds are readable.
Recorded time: h=10 m=32
